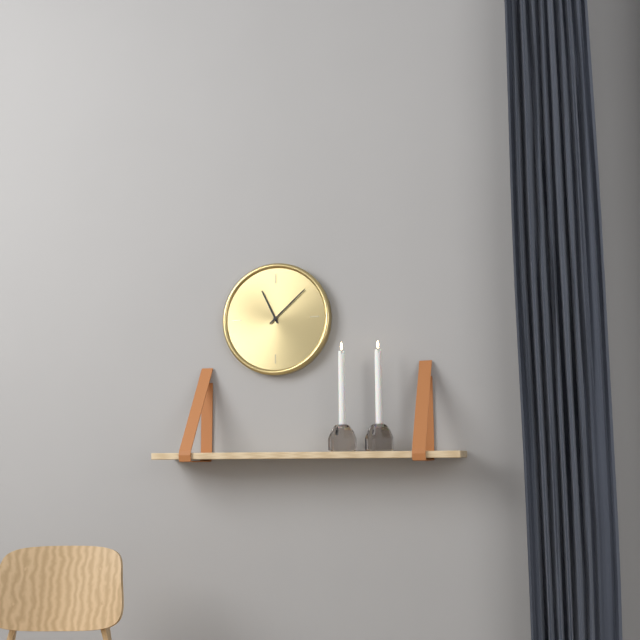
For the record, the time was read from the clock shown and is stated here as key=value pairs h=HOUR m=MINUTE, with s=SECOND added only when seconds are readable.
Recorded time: h=11 m=8
